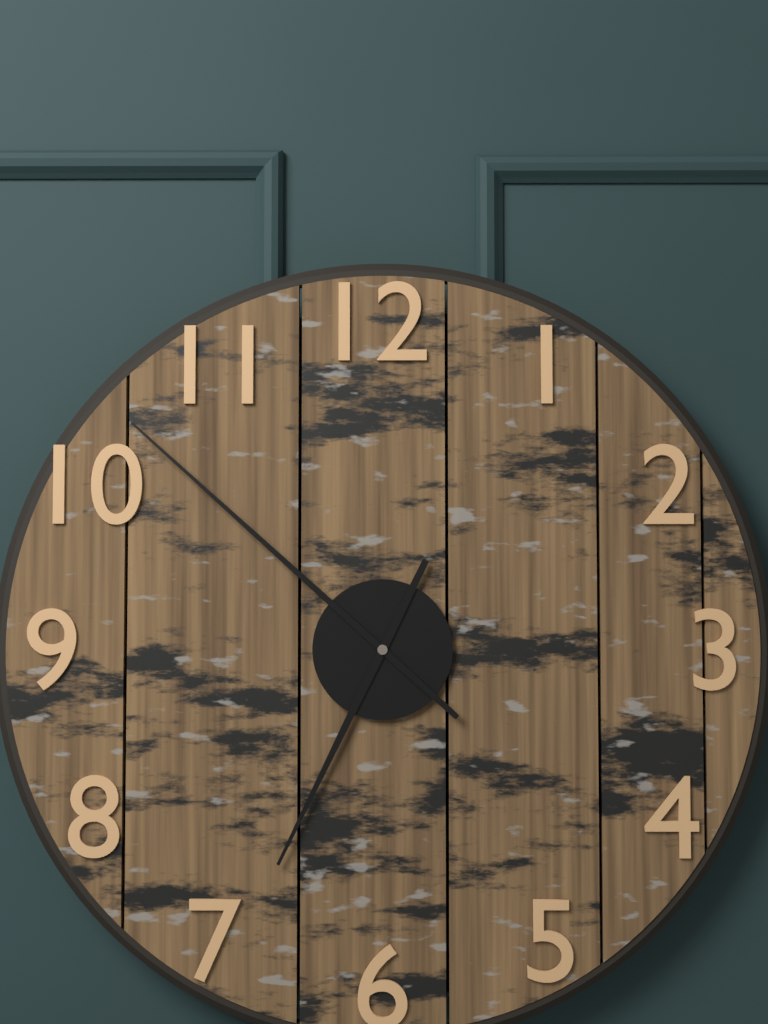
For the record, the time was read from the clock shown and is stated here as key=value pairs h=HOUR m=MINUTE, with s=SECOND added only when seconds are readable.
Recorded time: h=6 m=52
